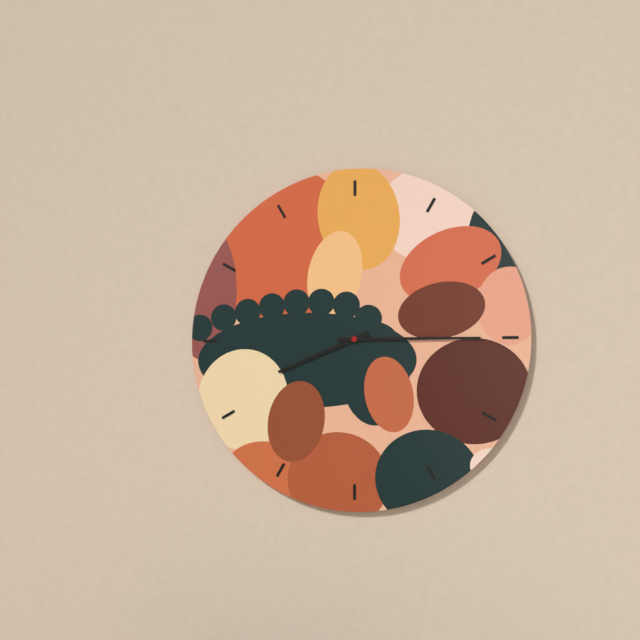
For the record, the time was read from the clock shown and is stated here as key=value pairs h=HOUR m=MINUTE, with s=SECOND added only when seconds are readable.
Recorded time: h=8 m=15
